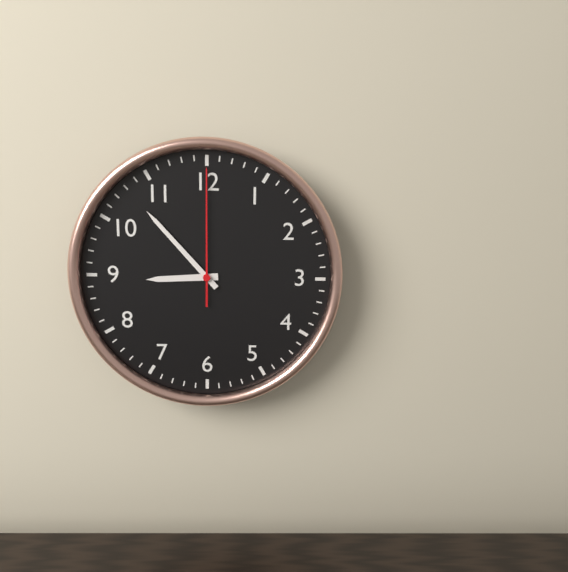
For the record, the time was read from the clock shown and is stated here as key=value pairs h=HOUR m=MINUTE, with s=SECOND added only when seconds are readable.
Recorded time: h=8 m=53 s=0
